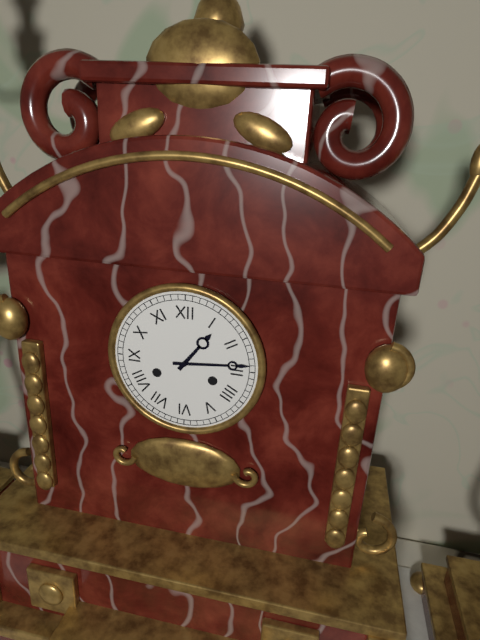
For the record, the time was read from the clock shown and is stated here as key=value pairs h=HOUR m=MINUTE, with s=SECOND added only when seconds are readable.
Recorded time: h=1 m=14
